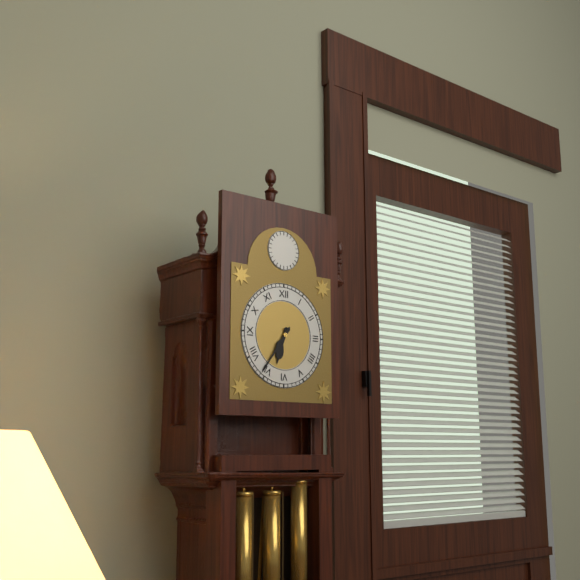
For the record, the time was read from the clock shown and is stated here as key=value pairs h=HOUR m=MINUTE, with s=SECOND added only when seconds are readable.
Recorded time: h=6 m=36
